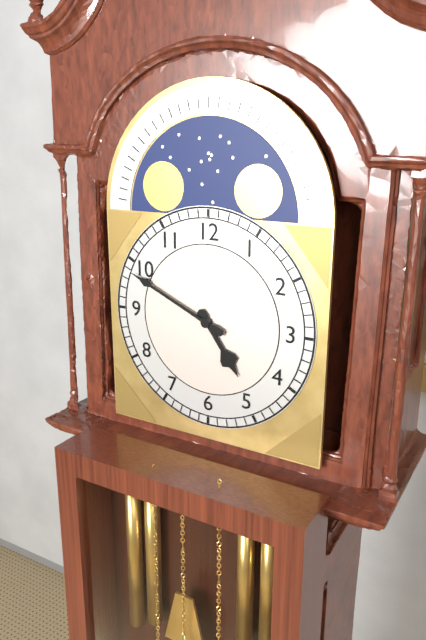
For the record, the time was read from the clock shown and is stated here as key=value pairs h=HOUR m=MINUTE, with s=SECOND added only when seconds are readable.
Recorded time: h=4 m=49
